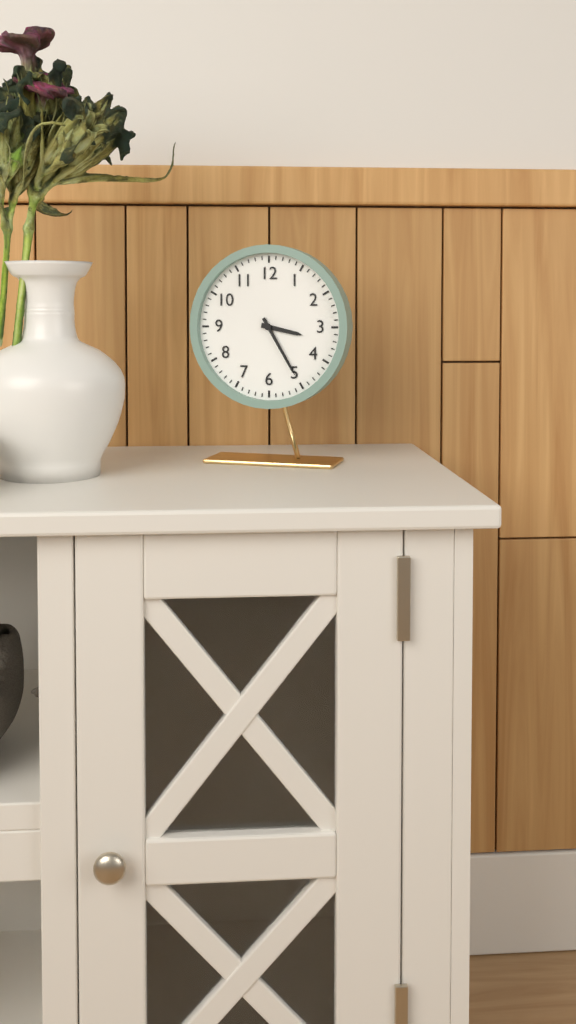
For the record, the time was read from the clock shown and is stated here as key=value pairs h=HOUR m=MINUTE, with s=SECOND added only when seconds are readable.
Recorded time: h=3 m=25
